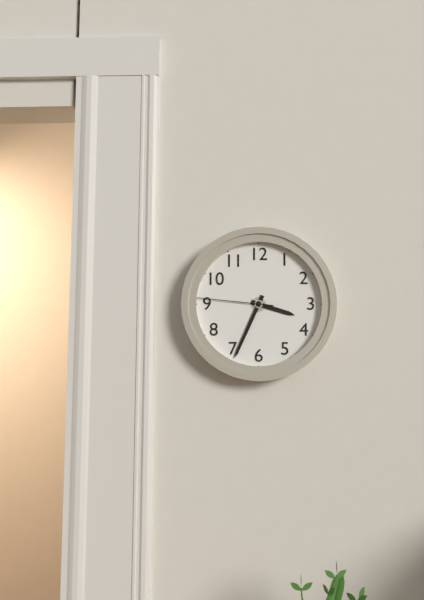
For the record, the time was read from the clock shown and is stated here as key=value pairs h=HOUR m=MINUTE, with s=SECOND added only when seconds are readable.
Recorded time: h=3 m=34 s=46
